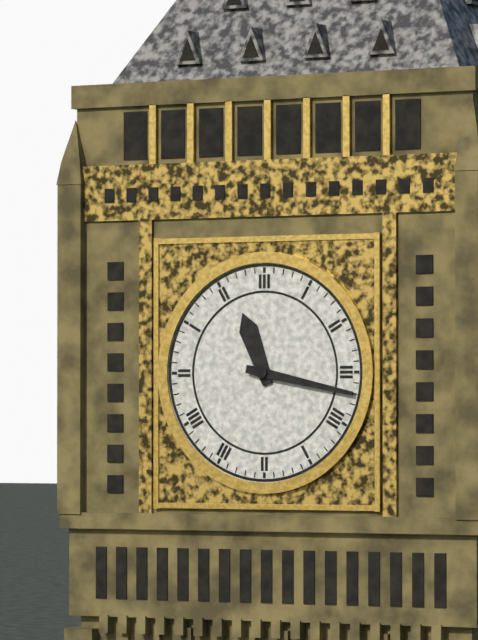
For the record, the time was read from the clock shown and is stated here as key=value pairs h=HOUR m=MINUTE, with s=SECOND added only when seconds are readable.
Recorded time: h=11 m=17
